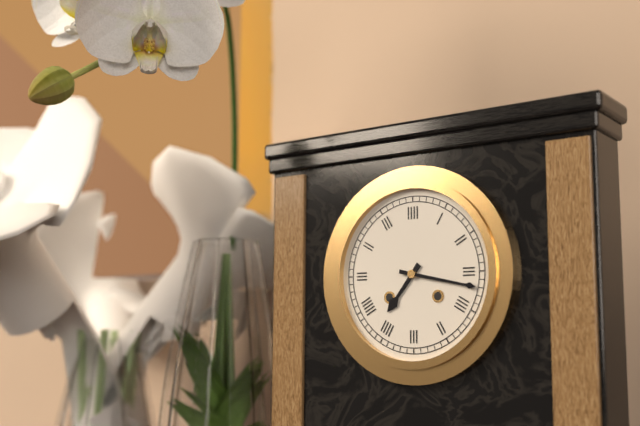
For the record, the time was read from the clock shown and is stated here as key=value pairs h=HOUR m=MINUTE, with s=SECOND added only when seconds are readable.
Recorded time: h=7 m=17
